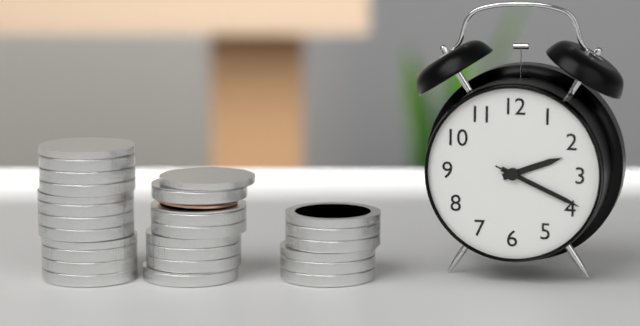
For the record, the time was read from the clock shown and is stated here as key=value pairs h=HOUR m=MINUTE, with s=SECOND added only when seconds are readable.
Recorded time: h=2 m=19 s=19
